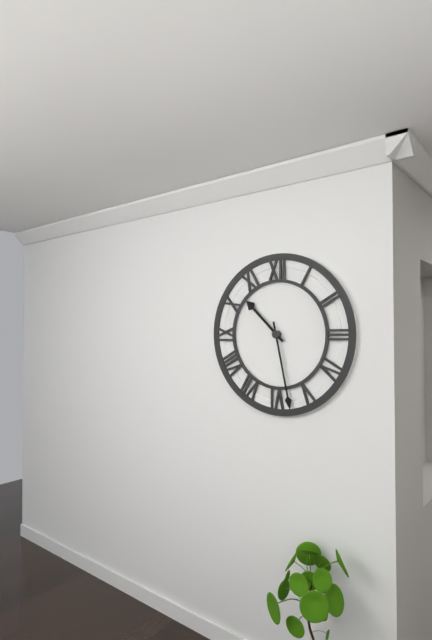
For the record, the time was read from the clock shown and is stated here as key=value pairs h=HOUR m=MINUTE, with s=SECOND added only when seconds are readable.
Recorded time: h=10 m=28
